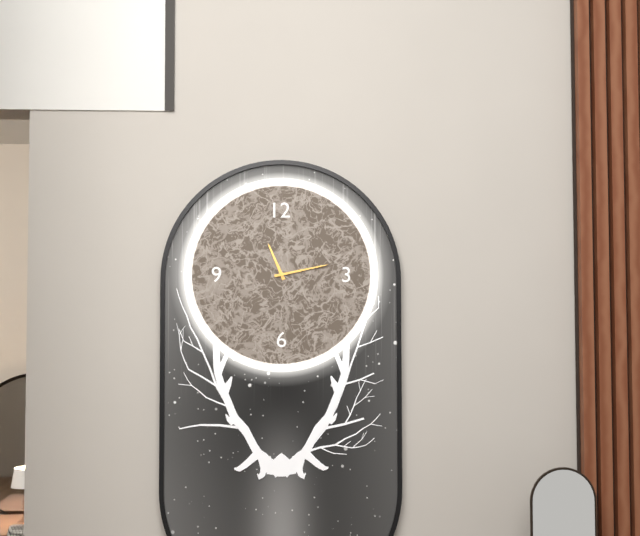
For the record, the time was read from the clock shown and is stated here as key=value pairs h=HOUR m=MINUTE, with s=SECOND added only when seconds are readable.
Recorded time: h=11 m=13
